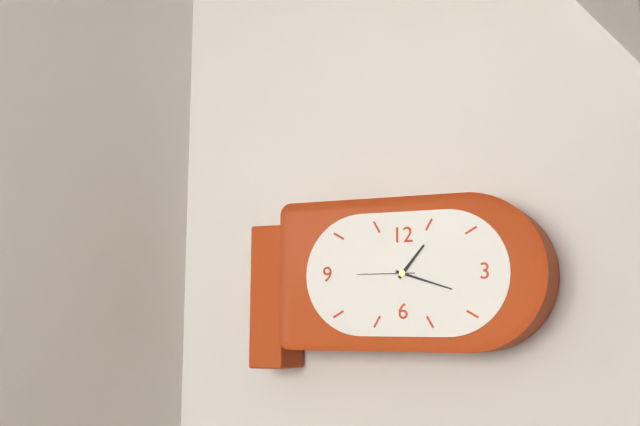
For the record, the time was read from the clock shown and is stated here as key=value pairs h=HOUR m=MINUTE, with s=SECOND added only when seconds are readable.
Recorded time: h=1 m=18 s=45
